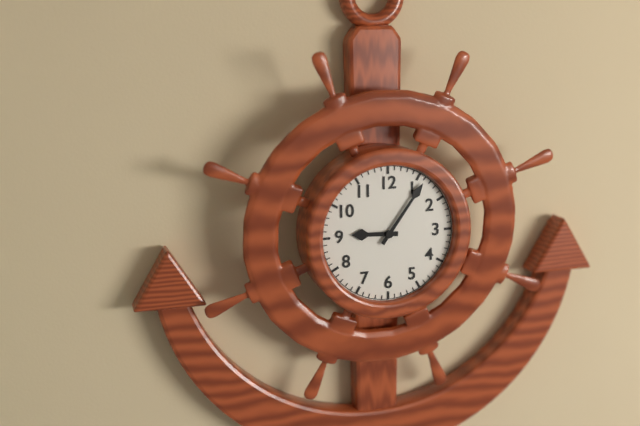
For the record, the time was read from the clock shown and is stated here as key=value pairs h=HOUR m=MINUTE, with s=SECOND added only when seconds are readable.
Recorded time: h=9 m=6
